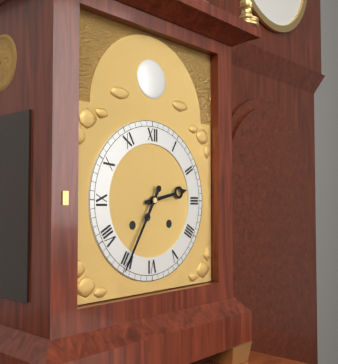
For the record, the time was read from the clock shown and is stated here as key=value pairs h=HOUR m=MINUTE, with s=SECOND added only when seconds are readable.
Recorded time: h=2 m=35
